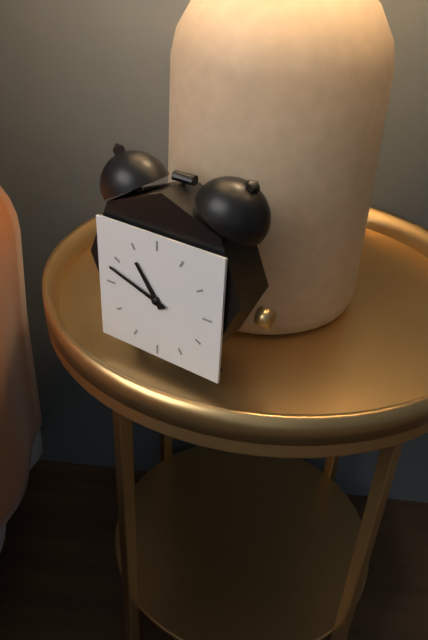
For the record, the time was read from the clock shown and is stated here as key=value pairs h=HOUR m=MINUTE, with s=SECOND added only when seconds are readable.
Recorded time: h=10 m=48
